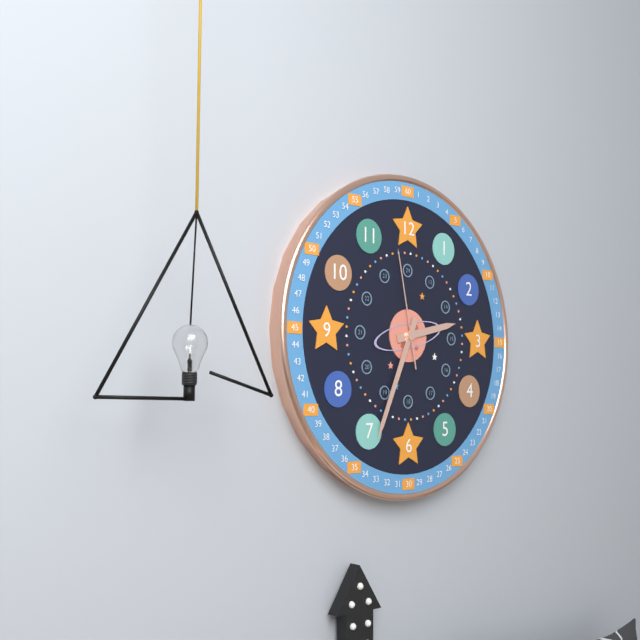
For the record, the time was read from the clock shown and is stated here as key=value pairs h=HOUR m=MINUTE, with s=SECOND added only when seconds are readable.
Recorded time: h=2 m=34 s=58
